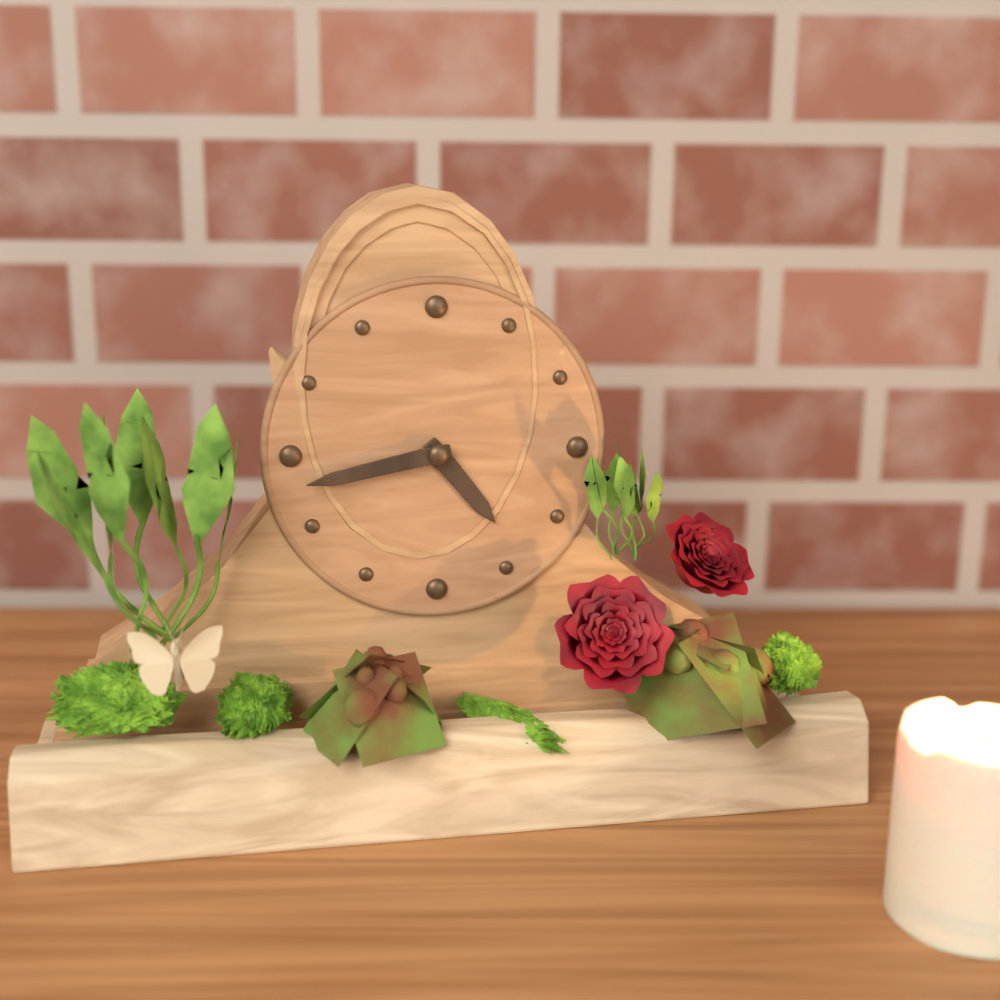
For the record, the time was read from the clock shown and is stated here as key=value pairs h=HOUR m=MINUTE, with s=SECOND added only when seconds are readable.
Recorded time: h=4 m=43
